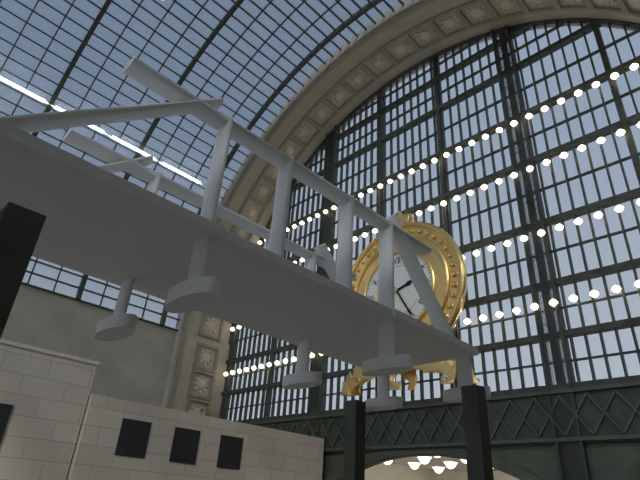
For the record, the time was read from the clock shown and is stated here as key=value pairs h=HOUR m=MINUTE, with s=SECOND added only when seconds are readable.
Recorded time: h=2 m=25
